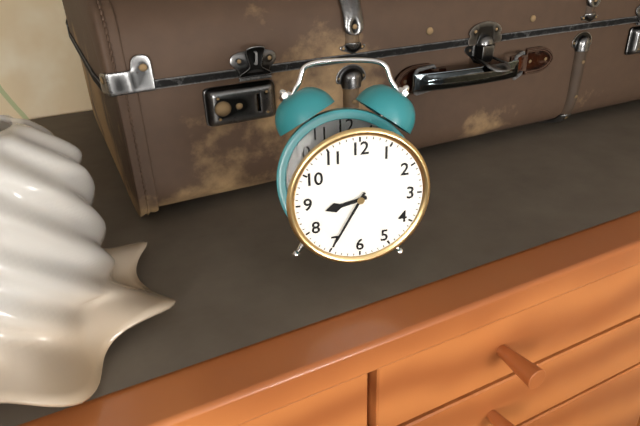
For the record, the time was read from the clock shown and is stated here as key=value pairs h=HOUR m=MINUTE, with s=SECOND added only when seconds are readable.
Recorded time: h=8 m=35
